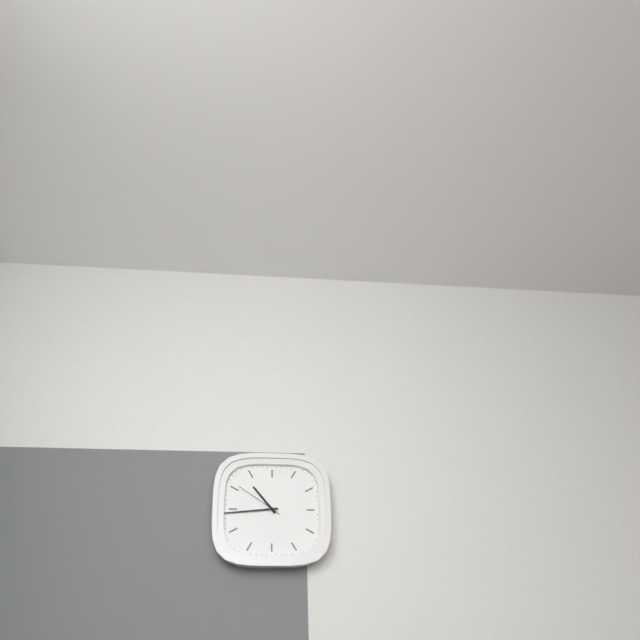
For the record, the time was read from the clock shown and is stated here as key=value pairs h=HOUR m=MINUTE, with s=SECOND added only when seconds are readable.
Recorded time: h=10 m=44 s=51
